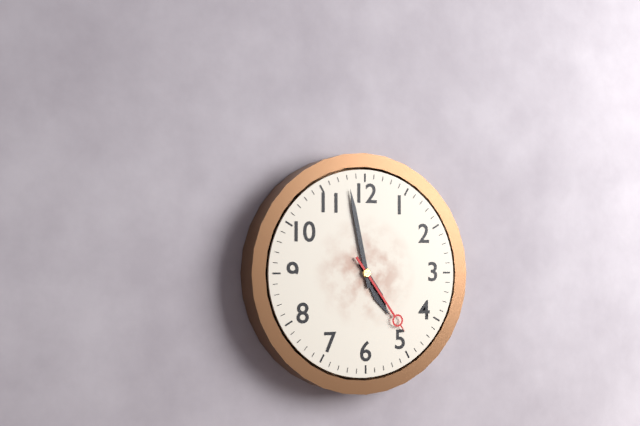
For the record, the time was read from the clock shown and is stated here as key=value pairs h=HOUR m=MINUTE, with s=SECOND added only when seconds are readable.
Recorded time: h=4 m=58 s=24
